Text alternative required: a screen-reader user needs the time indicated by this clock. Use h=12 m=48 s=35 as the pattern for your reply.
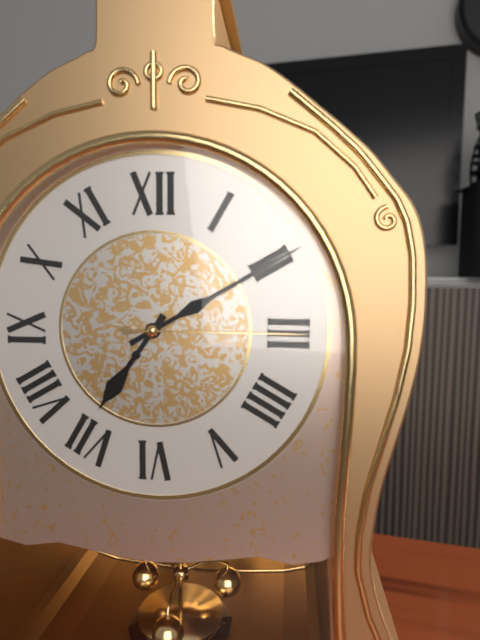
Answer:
h=7 m=10 s=15
